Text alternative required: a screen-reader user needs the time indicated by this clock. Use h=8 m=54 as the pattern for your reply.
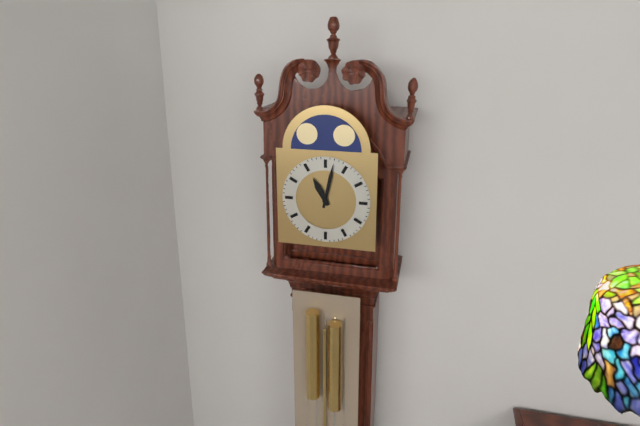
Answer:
h=11 m=2
